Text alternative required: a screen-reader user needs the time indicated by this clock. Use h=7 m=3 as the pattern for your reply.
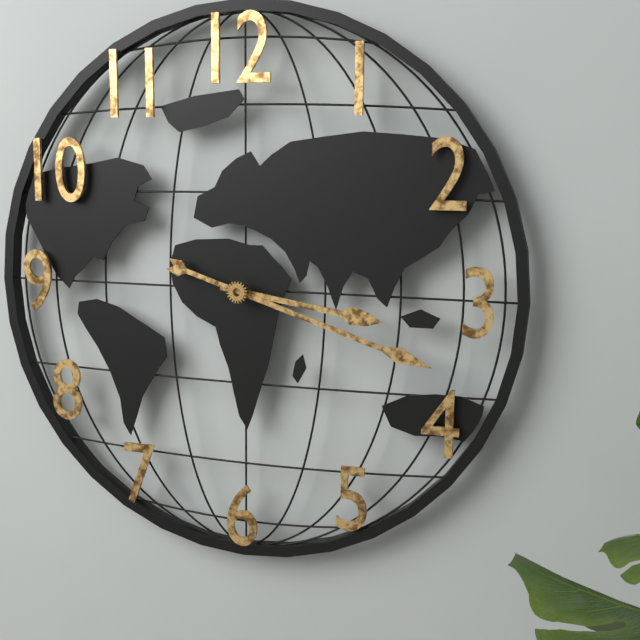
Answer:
h=3 m=18
